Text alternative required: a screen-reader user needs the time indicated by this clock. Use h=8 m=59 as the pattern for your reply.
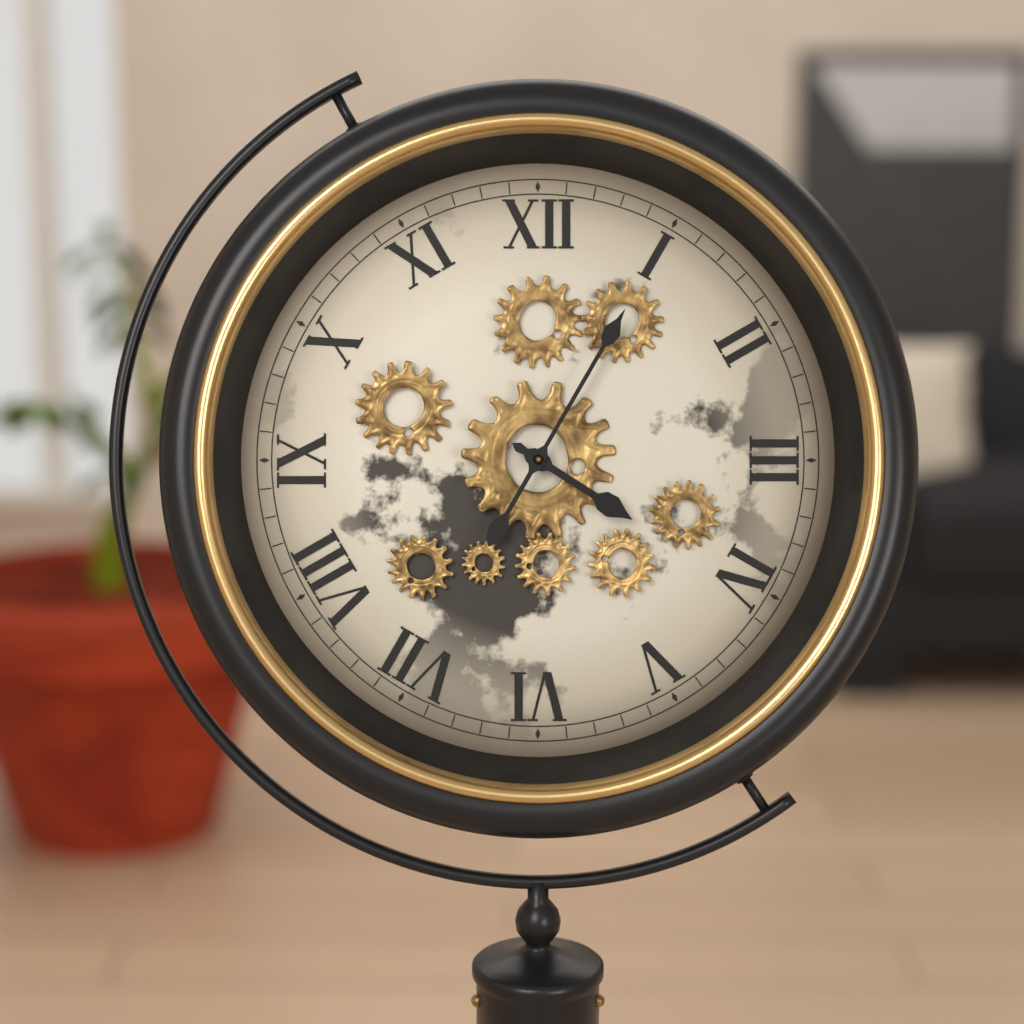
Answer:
h=4 m=5
